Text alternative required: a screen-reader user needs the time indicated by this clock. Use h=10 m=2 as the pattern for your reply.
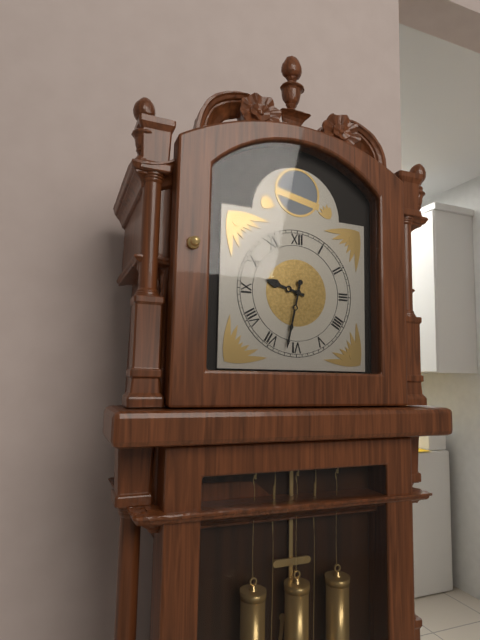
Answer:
h=9 m=32
